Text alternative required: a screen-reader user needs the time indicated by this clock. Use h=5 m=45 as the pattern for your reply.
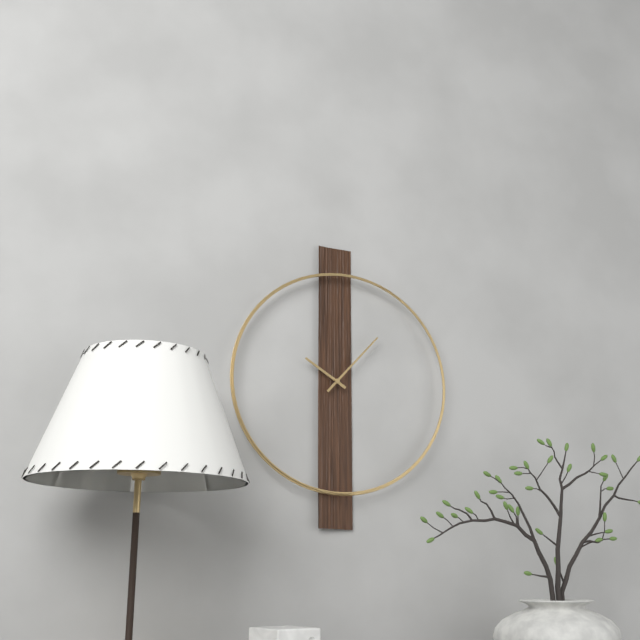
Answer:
h=10 m=7
